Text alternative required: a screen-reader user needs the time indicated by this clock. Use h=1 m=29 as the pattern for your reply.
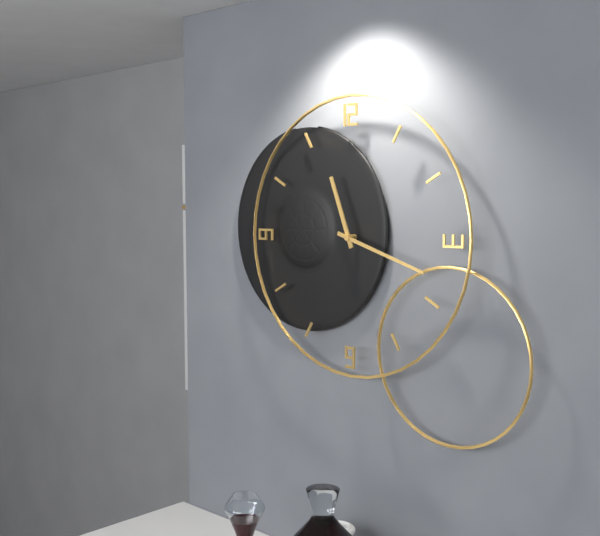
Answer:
h=11 m=18
